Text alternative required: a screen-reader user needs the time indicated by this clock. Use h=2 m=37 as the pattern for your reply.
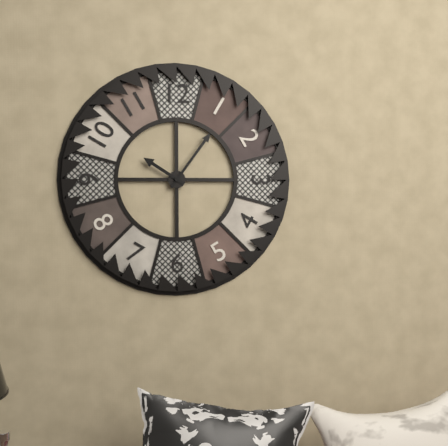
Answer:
h=10 m=6
